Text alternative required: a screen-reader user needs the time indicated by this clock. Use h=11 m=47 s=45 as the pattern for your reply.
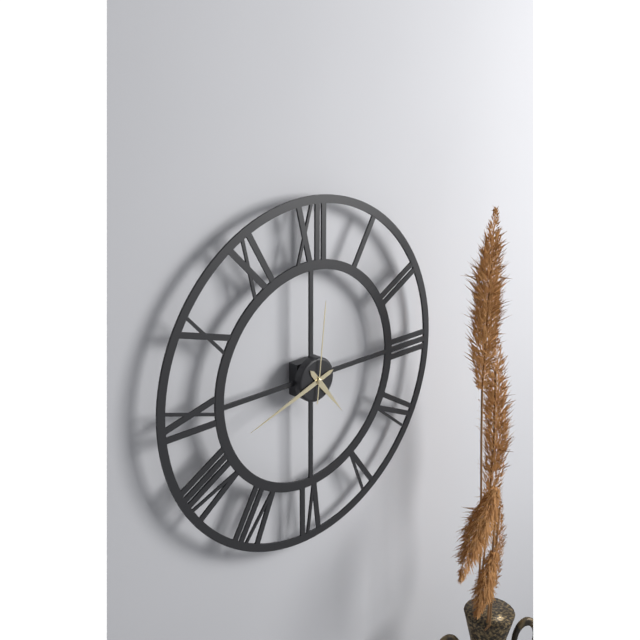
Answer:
h=4 m=42 s=1
